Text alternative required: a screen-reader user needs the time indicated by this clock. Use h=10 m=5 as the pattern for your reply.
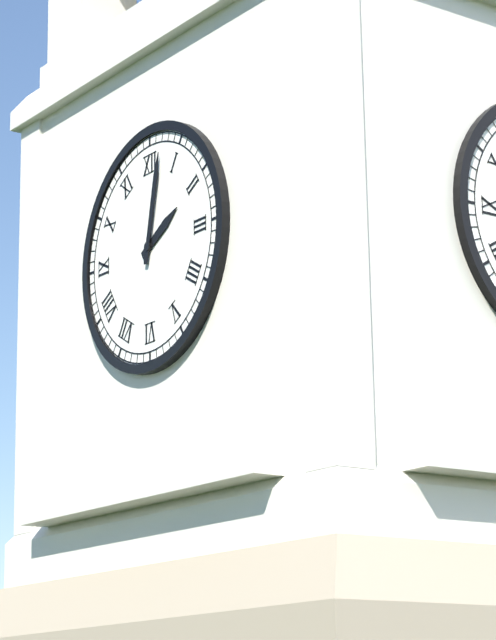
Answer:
h=2 m=2
